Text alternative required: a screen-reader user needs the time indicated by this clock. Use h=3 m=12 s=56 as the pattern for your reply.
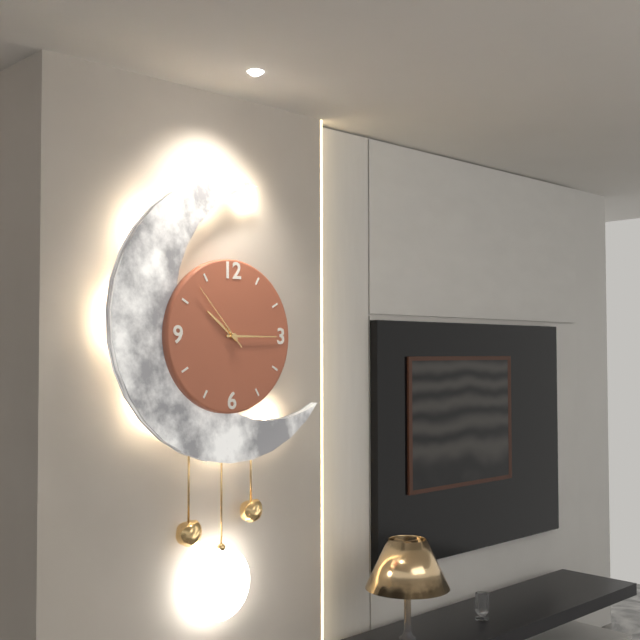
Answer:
h=10 m=15 s=53
